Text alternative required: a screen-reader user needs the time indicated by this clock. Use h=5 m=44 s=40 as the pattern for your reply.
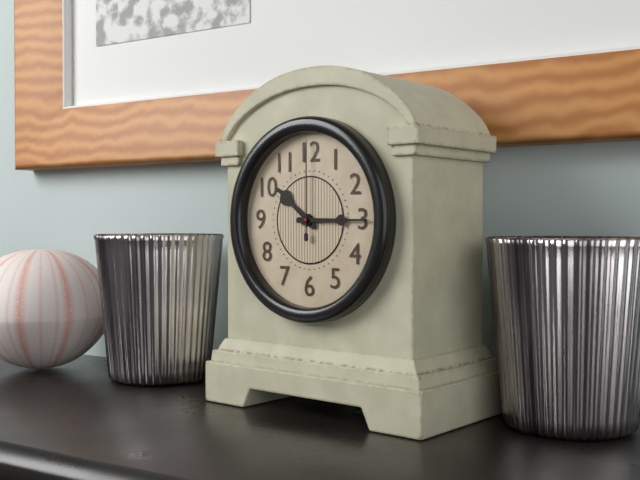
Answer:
h=10 m=15 s=0
